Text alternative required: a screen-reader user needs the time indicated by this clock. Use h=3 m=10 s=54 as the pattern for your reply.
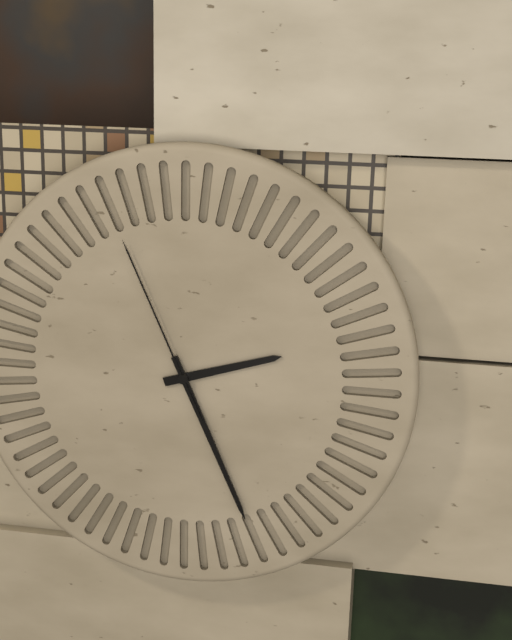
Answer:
h=2 m=26 s=56
